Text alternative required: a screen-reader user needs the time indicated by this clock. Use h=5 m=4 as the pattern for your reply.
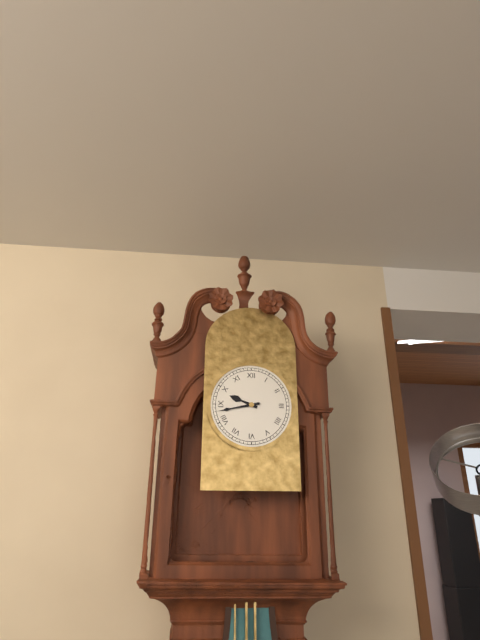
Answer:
h=9 m=43
